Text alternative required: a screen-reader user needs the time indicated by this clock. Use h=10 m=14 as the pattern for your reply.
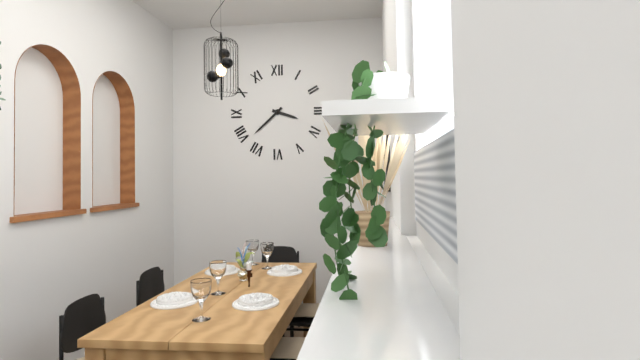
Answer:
h=3 m=38
